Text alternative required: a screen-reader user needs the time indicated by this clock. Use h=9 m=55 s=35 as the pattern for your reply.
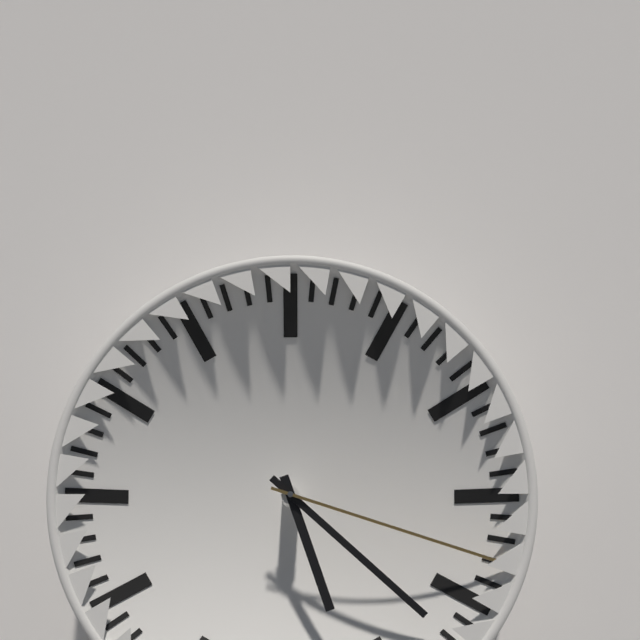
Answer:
h=5 m=22 s=18
